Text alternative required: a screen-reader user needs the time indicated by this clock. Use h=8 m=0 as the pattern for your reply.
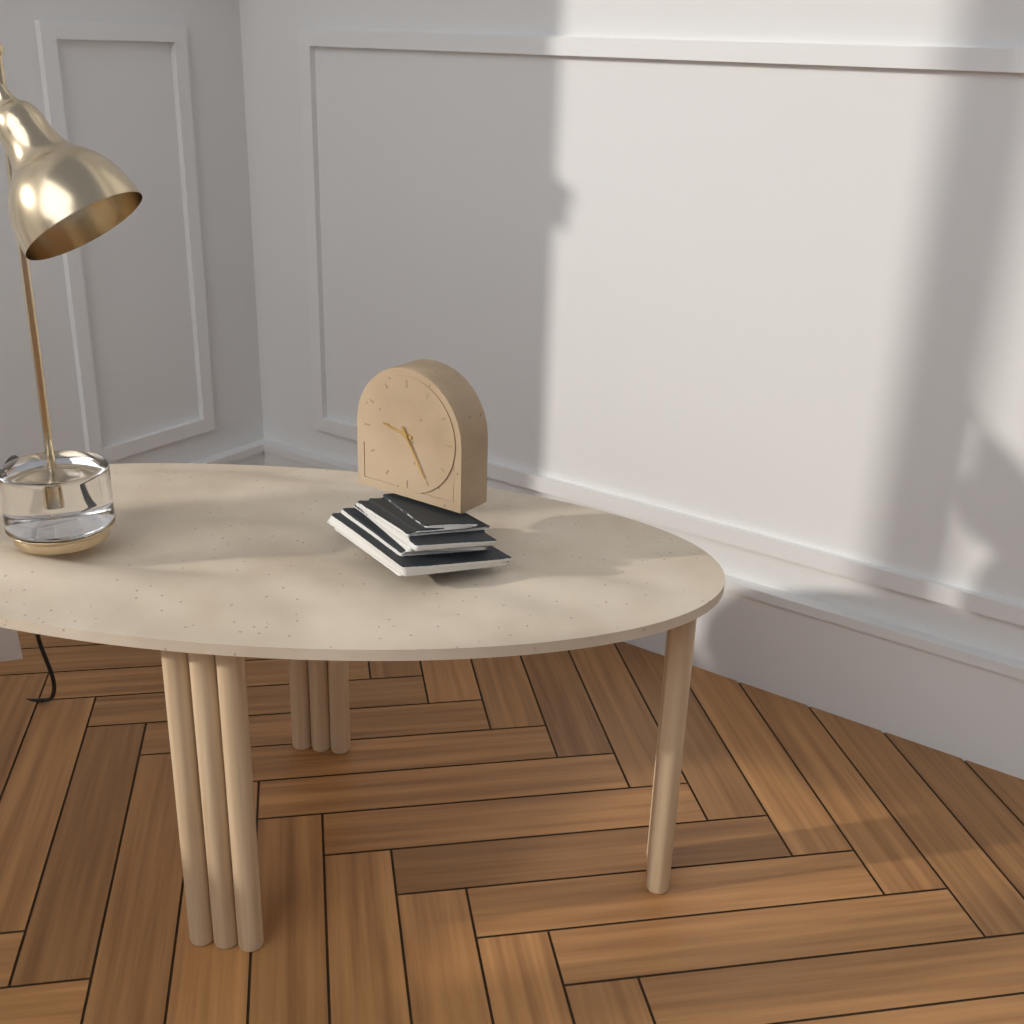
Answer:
h=9 m=25
